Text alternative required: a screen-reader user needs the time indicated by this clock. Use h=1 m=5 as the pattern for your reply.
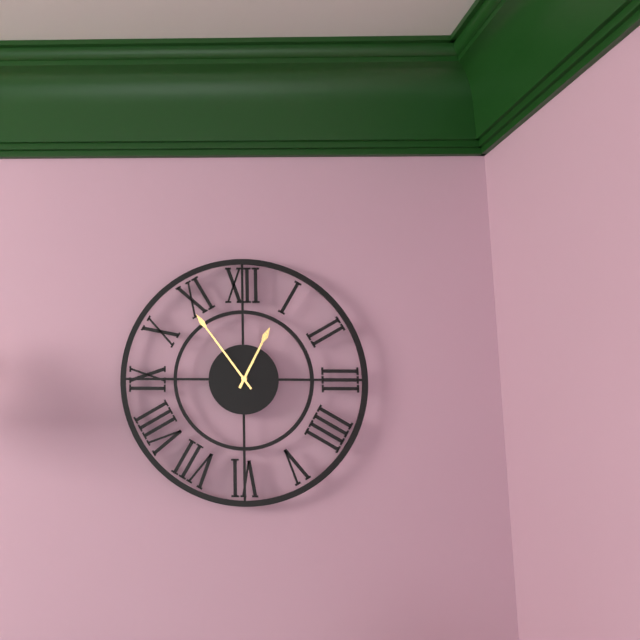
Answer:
h=12 m=54
